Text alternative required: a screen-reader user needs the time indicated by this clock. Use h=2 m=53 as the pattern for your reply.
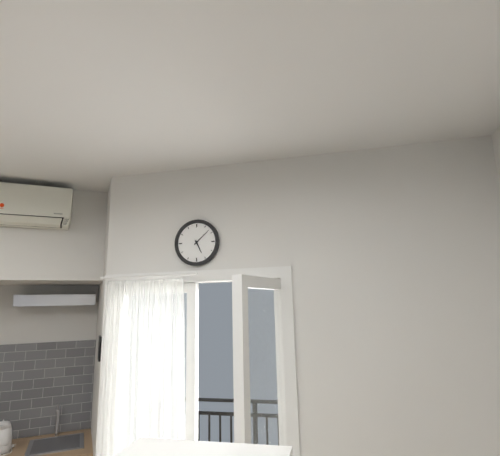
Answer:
h=5 m=8
